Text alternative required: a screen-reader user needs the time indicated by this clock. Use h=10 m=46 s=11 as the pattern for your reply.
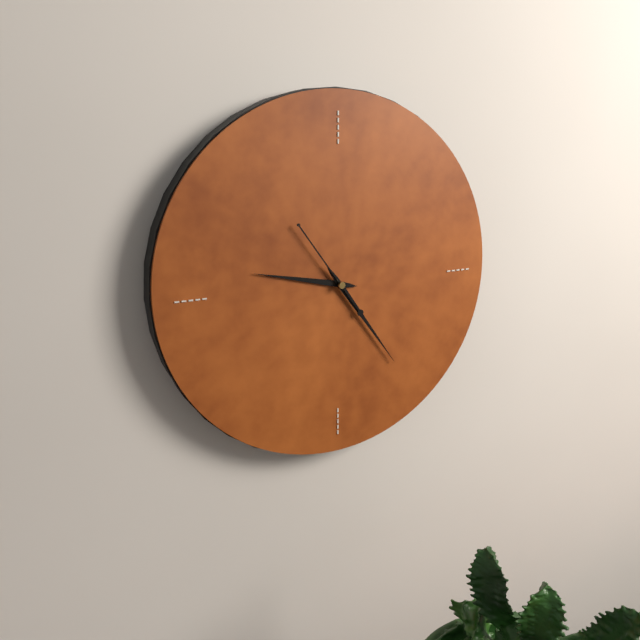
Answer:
h=9 m=24 s=54
